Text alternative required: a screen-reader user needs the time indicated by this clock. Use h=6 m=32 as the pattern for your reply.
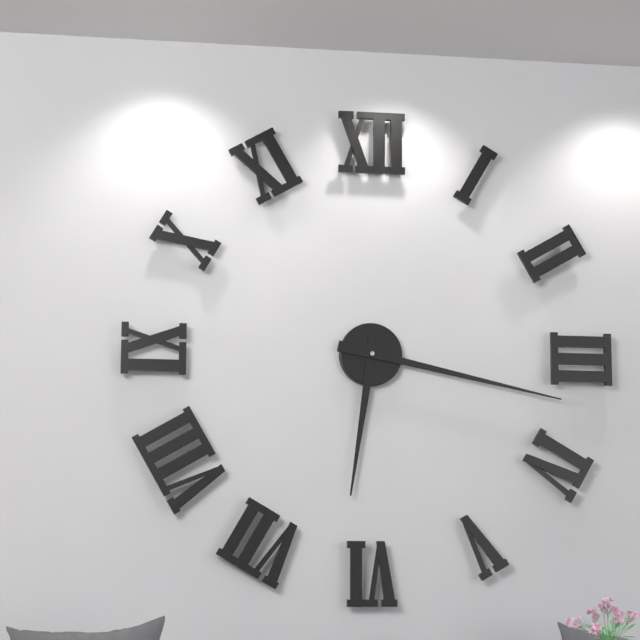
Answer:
h=6 m=17
